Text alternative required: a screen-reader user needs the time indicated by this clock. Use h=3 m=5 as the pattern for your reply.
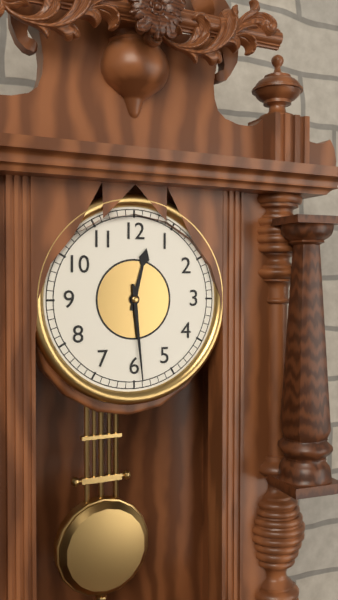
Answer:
h=12 m=29
